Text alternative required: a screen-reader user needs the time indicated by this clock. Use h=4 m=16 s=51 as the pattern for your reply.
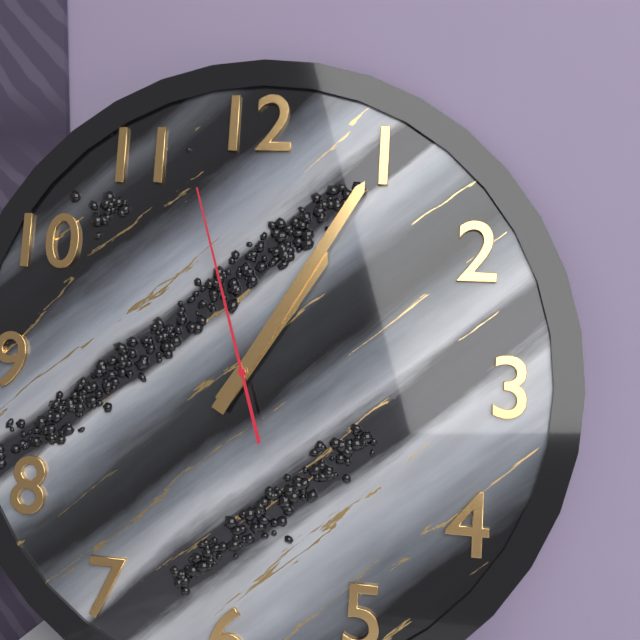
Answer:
h=1 m=5 s=57
